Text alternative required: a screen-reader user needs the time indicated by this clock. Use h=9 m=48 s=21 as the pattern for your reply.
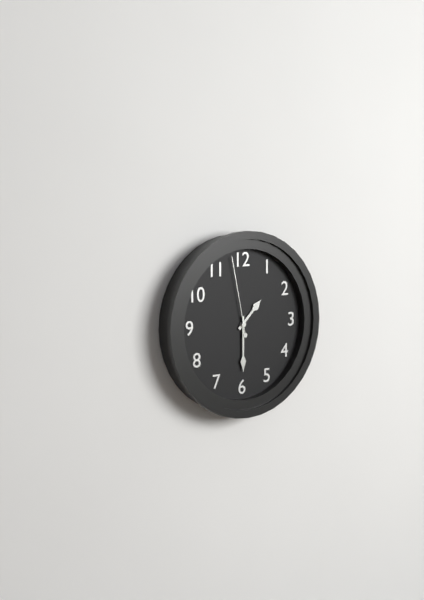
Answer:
h=1 m=30 s=58
